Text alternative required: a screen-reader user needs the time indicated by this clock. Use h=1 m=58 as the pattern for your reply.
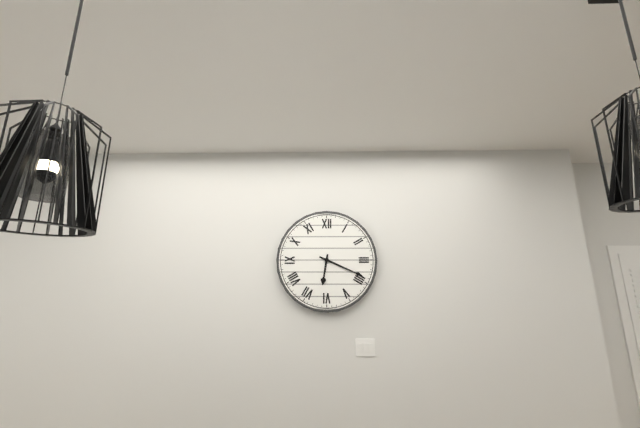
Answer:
h=6 m=19
